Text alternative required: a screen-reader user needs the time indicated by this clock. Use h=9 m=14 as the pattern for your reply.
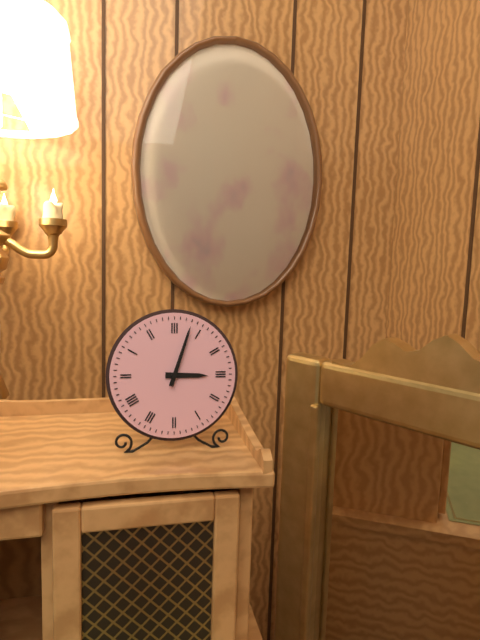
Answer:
h=3 m=3
